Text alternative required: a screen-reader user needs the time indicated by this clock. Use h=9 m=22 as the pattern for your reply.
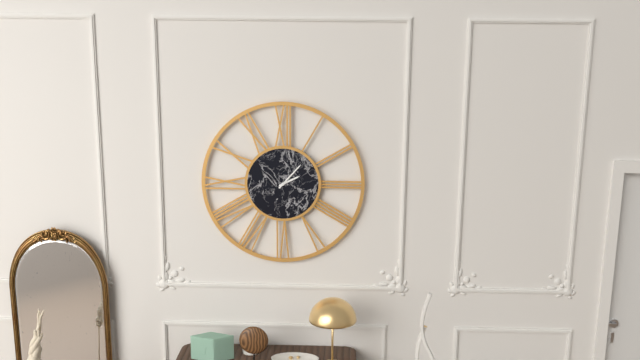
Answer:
h=2 m=7
